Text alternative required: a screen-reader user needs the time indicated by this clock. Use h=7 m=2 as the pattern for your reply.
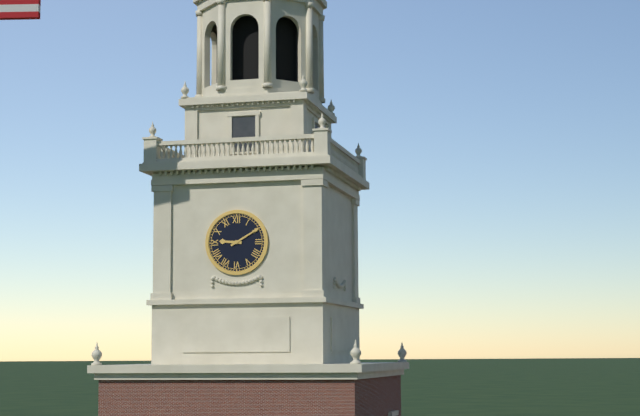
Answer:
h=9 m=10
